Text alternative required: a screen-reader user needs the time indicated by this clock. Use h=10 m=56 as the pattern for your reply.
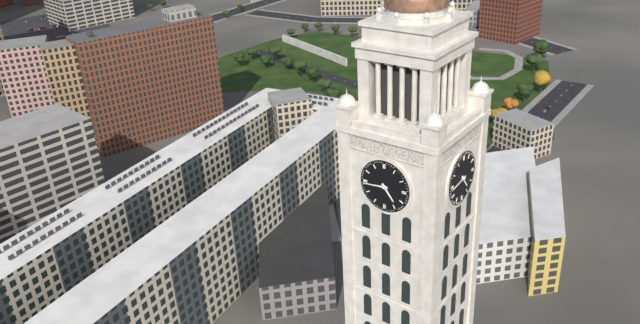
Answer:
h=4 m=44
